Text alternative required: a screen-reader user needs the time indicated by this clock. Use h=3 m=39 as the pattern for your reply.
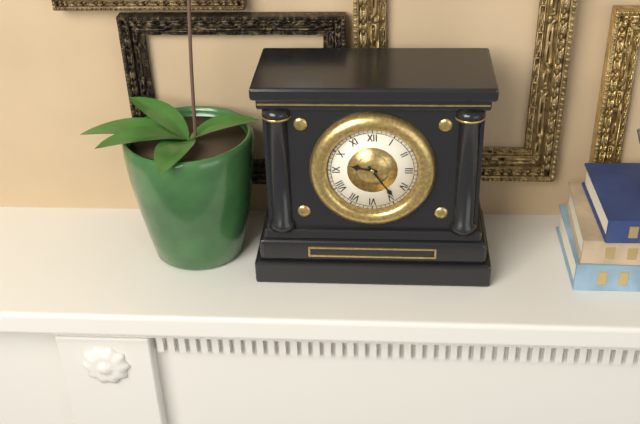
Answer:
h=9 m=24
